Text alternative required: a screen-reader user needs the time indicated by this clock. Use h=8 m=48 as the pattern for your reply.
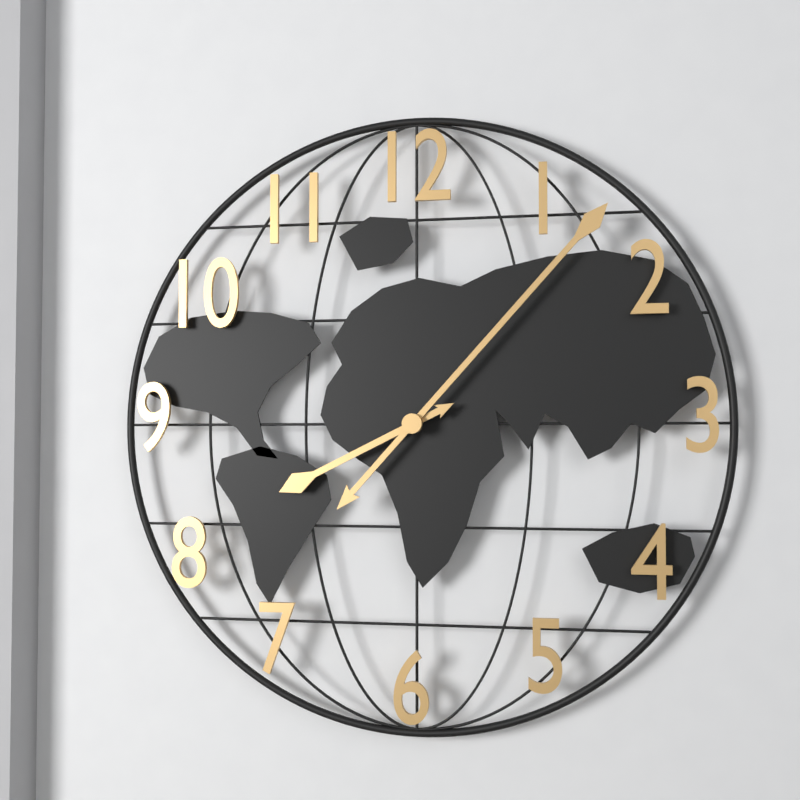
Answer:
h=8 m=7
